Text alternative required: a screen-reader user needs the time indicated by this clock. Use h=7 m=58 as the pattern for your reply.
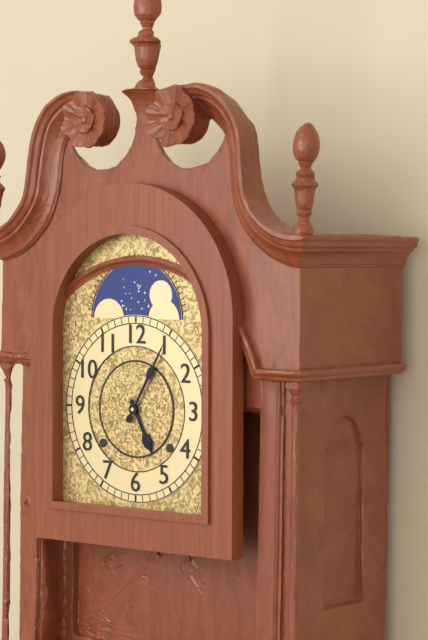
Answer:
h=5 m=5
